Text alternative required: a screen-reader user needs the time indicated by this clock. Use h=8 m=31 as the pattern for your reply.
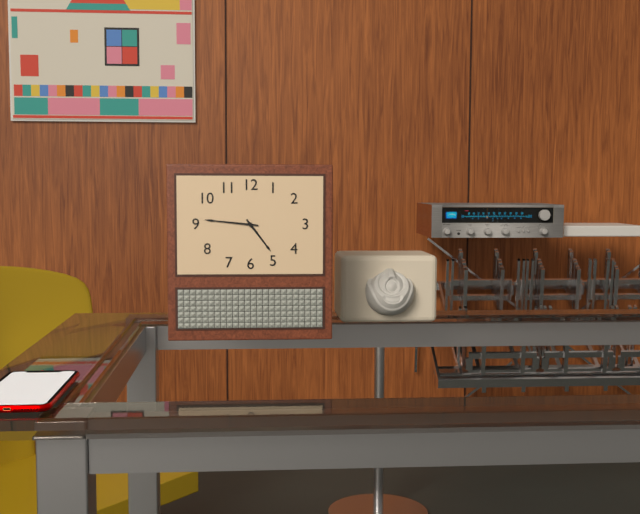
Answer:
h=4 m=46
